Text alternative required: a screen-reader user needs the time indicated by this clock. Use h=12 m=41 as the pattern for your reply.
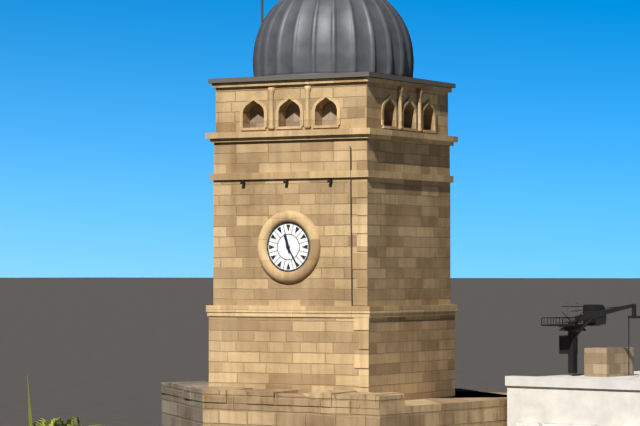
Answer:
h=11 m=25
